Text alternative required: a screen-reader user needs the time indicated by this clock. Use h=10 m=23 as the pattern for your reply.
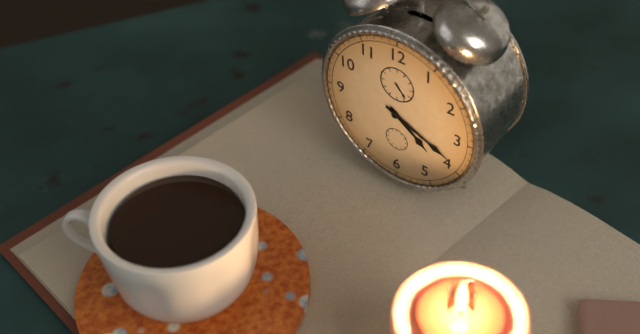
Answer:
h=4 m=19
